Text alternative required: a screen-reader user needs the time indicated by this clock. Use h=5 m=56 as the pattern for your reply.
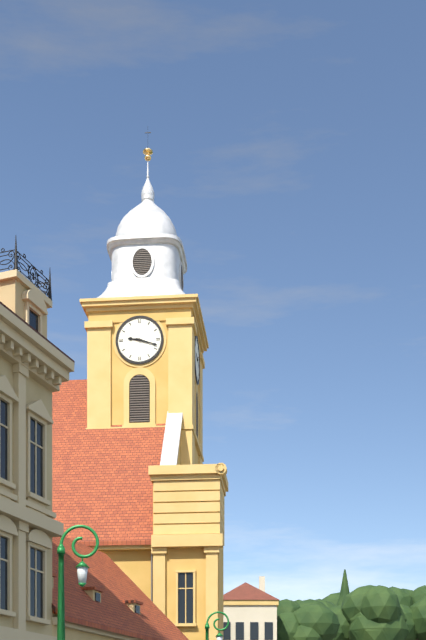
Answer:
h=9 m=18
